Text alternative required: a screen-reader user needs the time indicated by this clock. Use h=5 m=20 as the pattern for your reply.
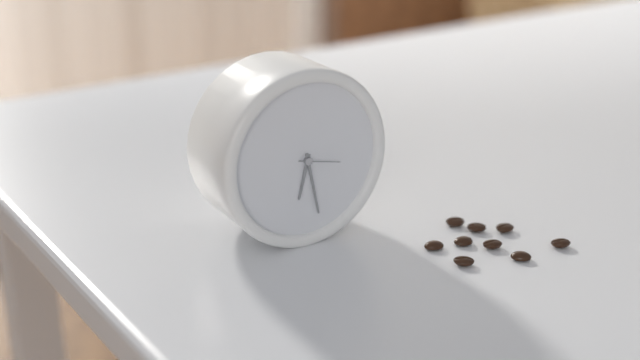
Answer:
h=6 m=28
